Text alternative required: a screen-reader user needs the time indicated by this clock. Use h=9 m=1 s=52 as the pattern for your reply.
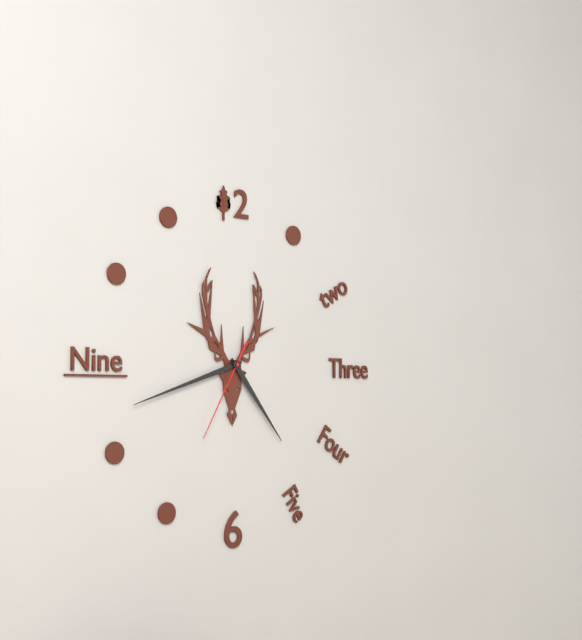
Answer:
h=4 m=42 s=35
